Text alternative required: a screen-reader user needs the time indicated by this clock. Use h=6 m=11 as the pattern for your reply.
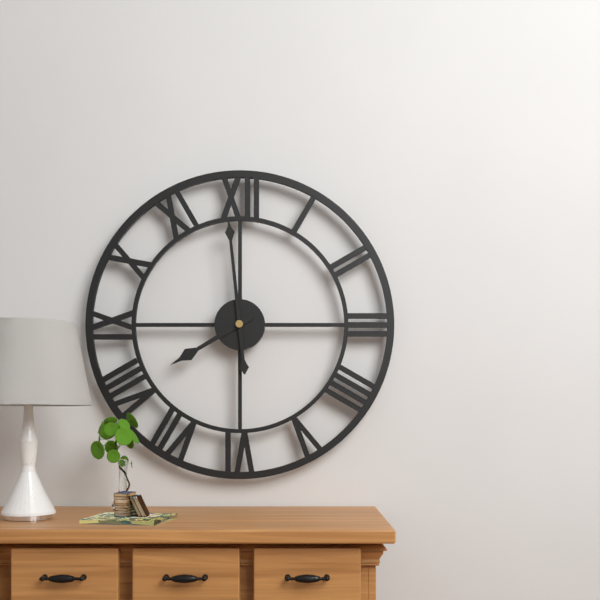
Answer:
h=7 m=59
